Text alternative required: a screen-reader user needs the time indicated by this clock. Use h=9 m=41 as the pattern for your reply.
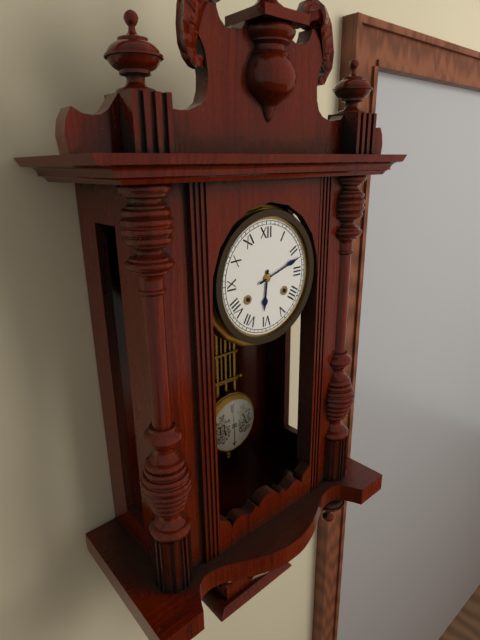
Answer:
h=6 m=12
